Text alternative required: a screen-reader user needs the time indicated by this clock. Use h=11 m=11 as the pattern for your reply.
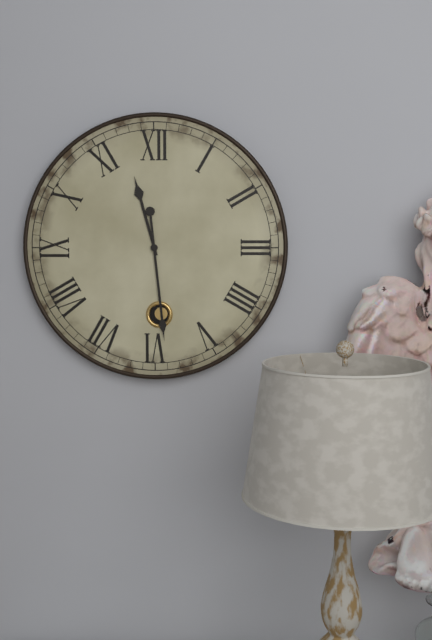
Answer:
h=11 m=29
